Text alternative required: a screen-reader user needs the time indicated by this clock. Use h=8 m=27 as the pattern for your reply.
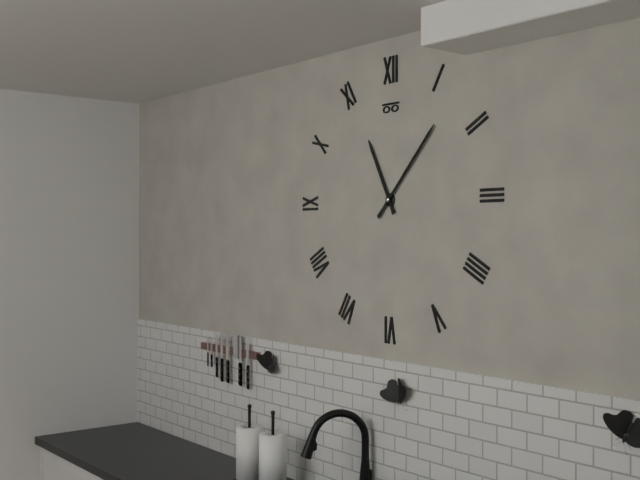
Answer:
h=11 m=7
